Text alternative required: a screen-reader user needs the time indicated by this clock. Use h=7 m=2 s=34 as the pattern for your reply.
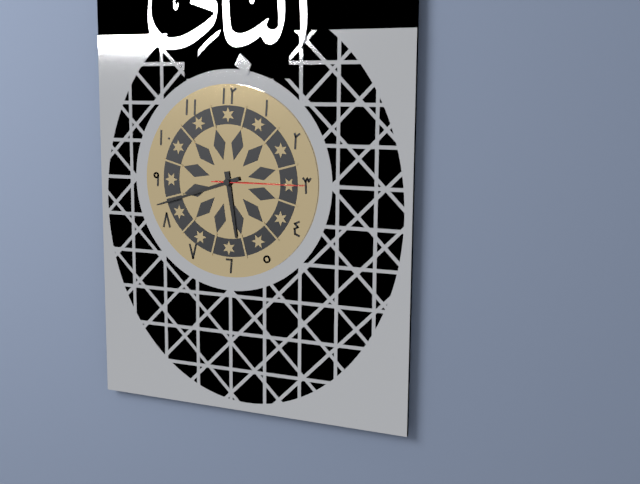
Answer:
h=5 m=42 s=15
